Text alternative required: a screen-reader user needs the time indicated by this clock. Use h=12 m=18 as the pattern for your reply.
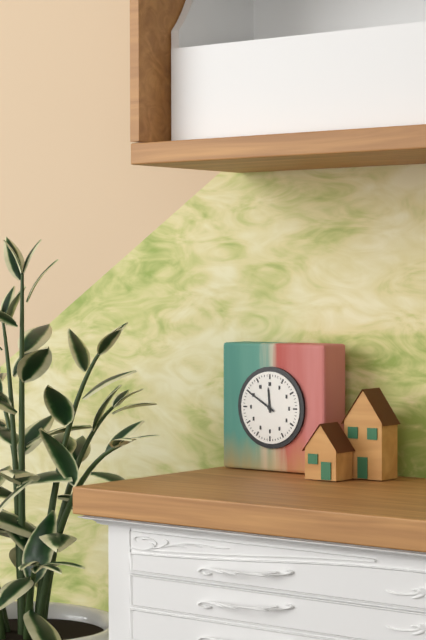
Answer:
h=11 m=50
